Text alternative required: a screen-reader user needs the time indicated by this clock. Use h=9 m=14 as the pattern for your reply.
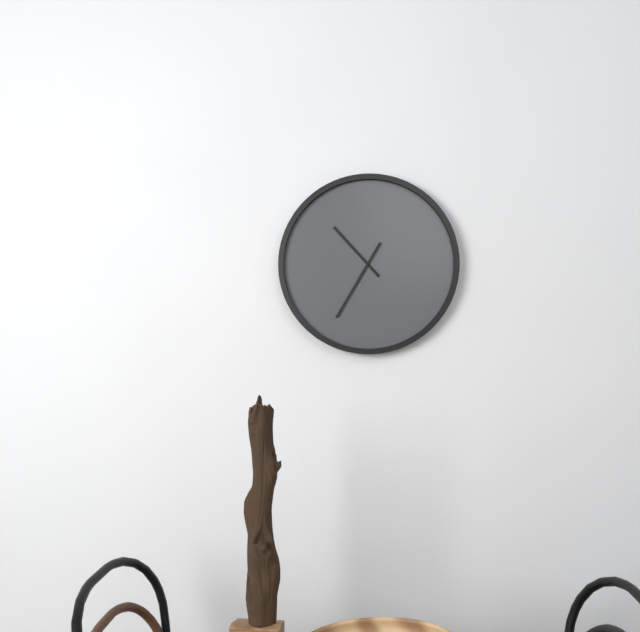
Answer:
h=10 m=35
